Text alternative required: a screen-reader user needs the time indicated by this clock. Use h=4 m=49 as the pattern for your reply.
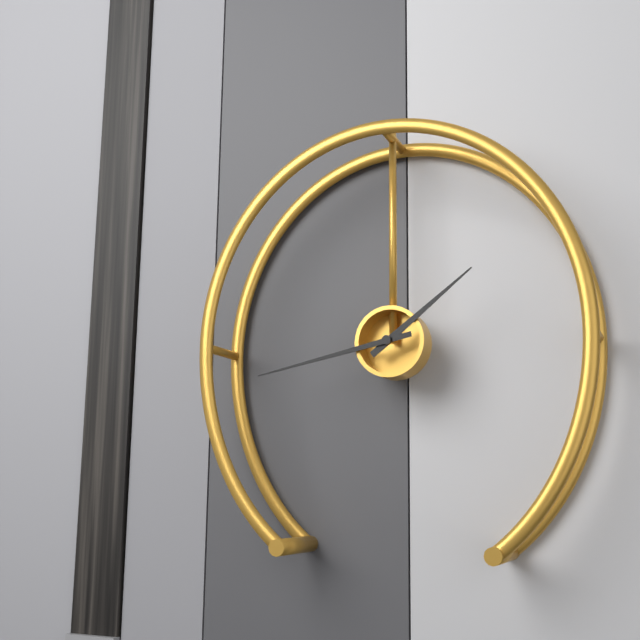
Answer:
h=1 m=43
